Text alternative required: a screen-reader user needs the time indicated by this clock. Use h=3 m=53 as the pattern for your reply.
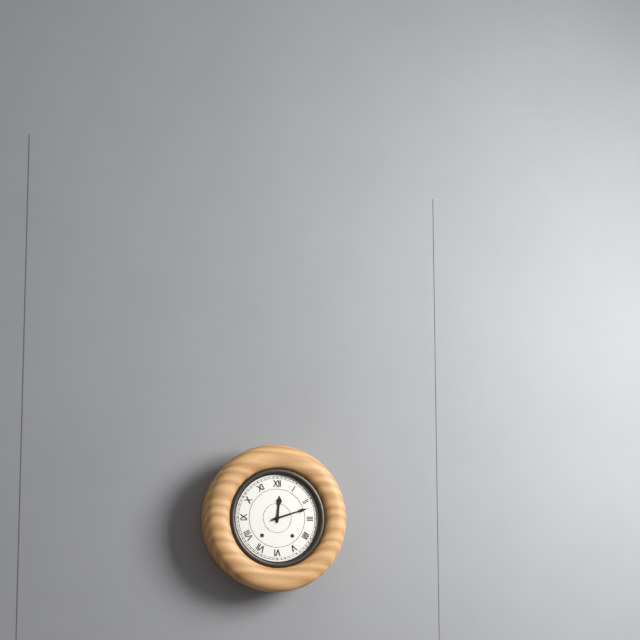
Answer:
h=12 m=12
